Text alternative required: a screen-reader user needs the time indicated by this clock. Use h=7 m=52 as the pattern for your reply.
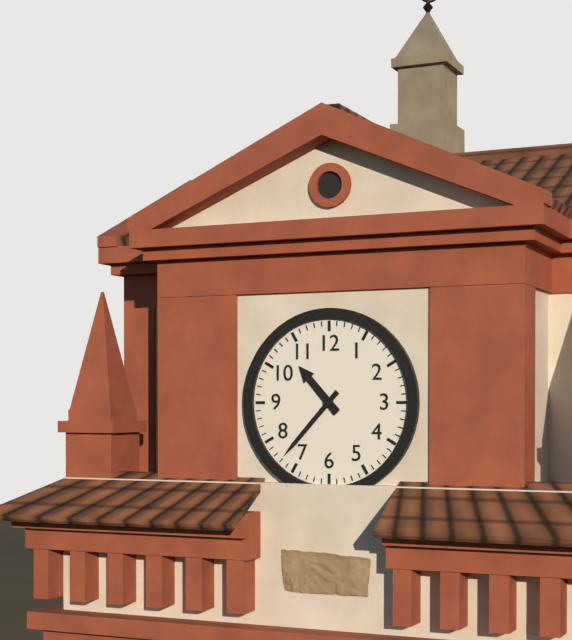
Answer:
h=10 m=37
